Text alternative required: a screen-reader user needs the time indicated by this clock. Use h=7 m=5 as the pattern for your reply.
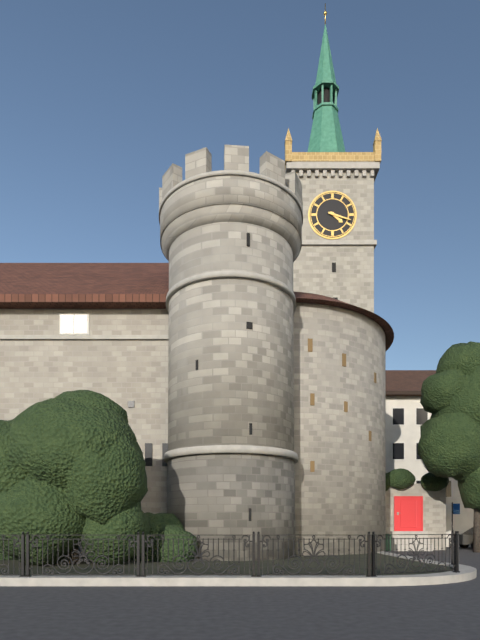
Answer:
h=4 m=18
